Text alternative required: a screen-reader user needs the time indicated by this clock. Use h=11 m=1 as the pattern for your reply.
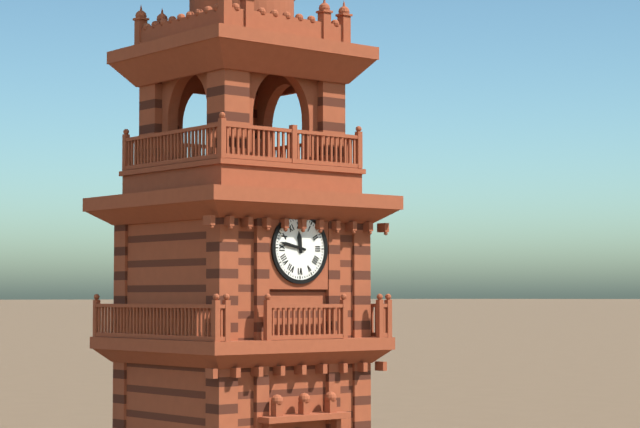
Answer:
h=11 m=47
